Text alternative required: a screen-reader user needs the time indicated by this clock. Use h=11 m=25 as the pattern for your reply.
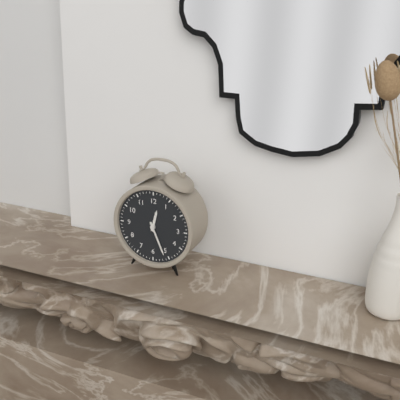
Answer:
h=12 m=26
